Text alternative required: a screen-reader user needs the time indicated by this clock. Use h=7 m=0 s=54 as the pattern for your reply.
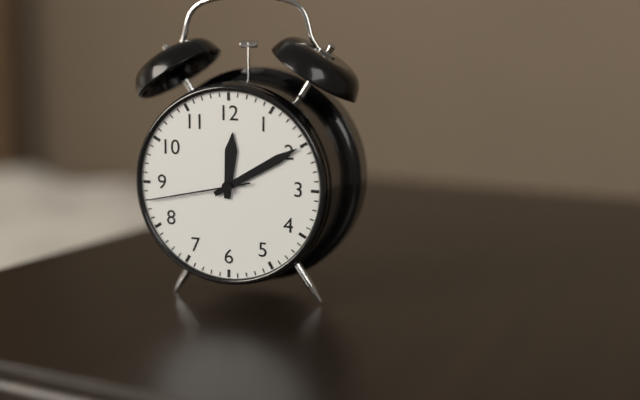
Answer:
h=12 m=10 s=43
